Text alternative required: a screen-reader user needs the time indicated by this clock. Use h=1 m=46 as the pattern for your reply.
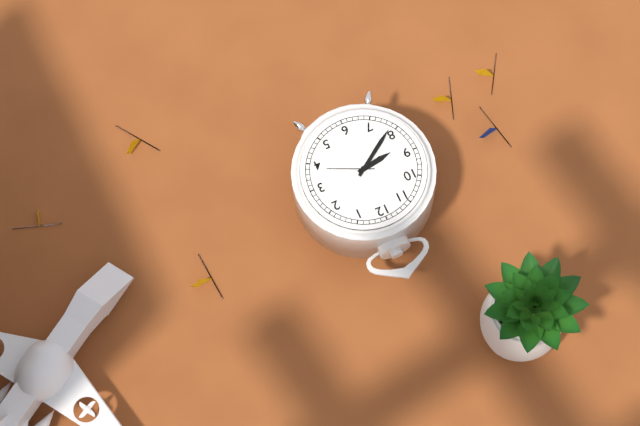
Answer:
h=8 m=39
